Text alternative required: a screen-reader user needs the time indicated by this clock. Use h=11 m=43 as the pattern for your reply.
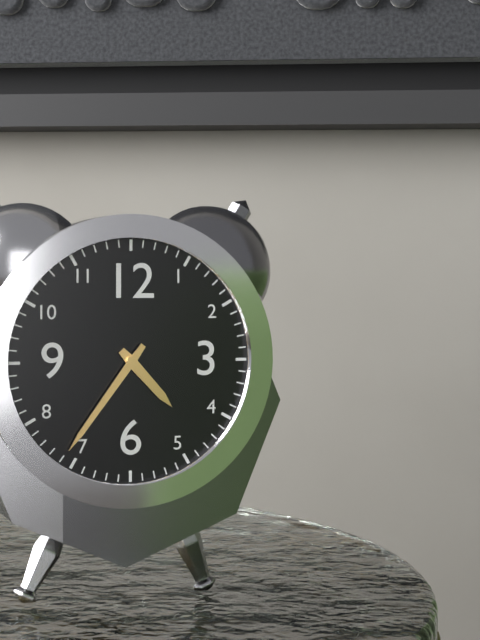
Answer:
h=4 m=36
